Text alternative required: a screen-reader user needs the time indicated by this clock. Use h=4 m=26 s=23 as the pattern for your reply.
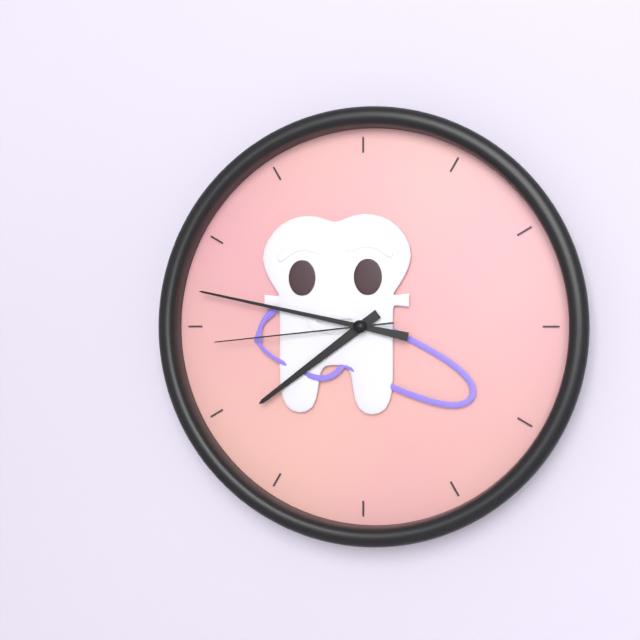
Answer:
h=7 m=47 s=44
